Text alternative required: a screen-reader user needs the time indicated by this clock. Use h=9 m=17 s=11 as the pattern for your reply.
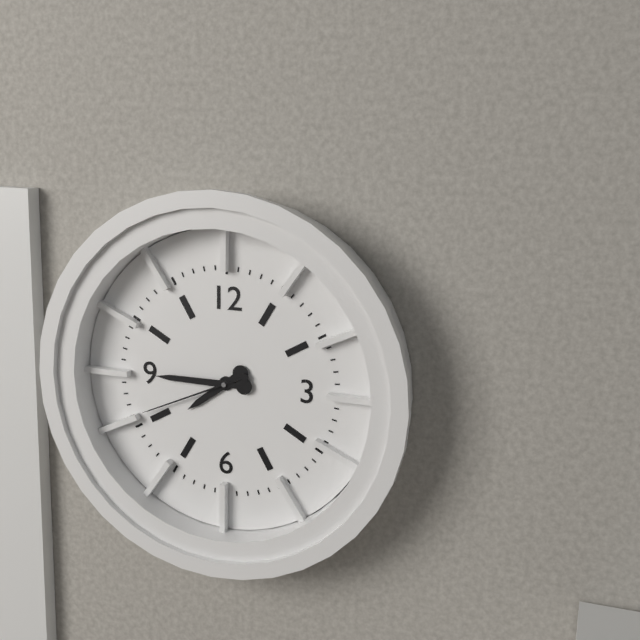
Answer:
h=7 m=45 s=41
